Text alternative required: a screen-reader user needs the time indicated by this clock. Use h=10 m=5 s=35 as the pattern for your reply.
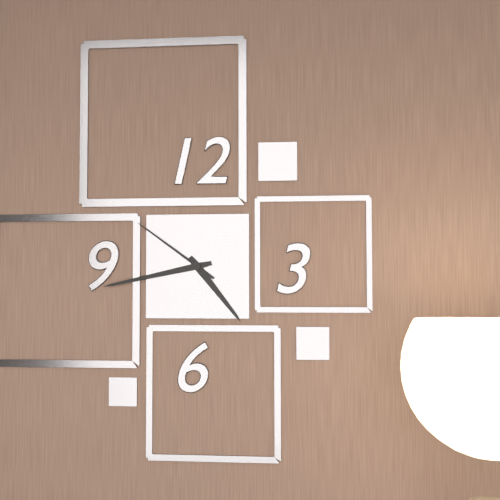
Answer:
h=4 m=43 s=51
